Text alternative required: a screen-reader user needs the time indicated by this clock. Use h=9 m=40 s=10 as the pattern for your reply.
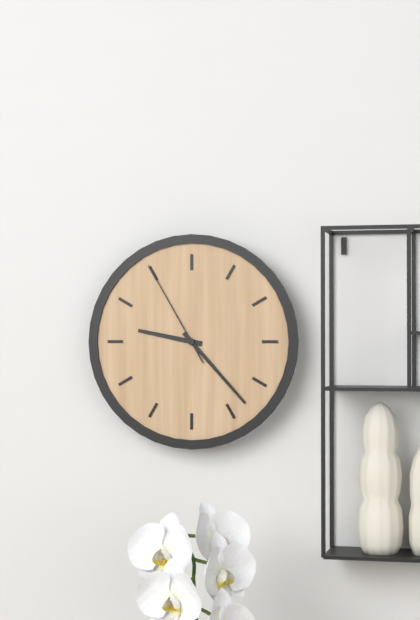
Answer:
h=9 m=23 s=55
